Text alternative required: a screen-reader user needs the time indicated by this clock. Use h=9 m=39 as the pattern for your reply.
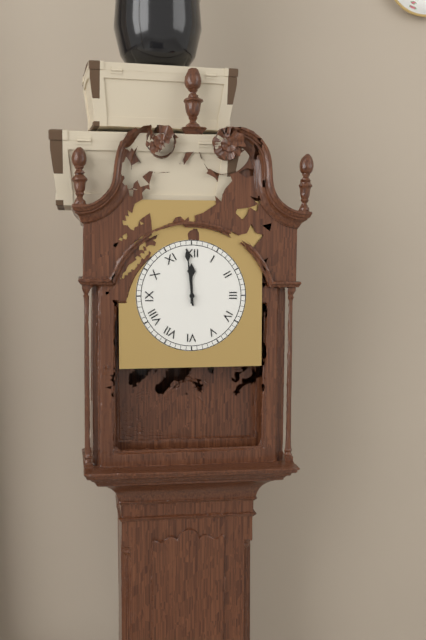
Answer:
h=11 m=59
